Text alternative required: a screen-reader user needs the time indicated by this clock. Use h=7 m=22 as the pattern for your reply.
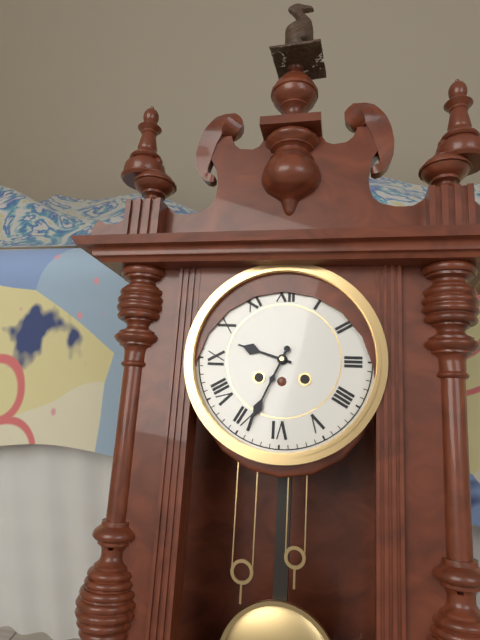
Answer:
h=9 m=34
